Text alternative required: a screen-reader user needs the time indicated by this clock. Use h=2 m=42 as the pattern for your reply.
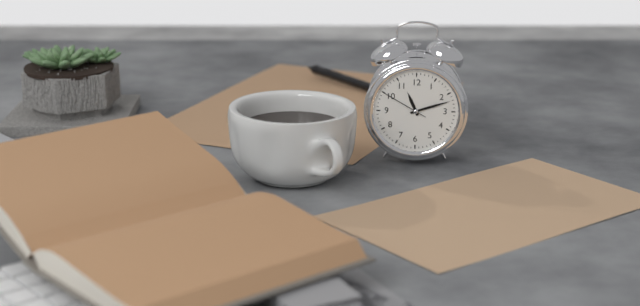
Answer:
h=11 m=12
